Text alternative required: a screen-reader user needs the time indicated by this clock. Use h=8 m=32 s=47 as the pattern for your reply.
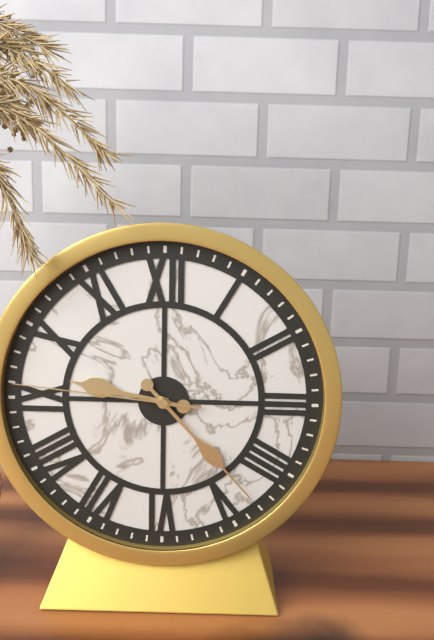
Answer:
h=9 m=23 s=46
